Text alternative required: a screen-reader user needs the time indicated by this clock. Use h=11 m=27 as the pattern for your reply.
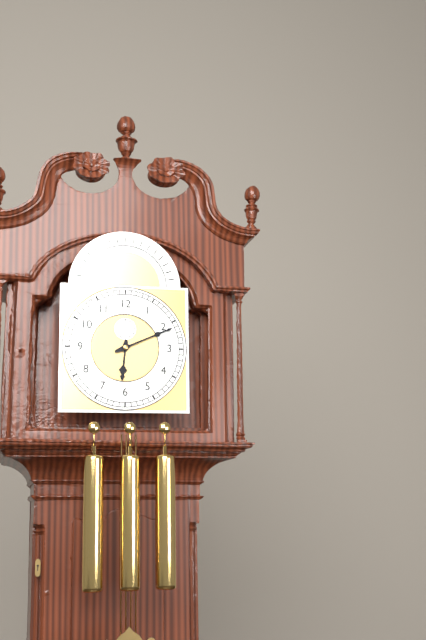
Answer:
h=6 m=11
